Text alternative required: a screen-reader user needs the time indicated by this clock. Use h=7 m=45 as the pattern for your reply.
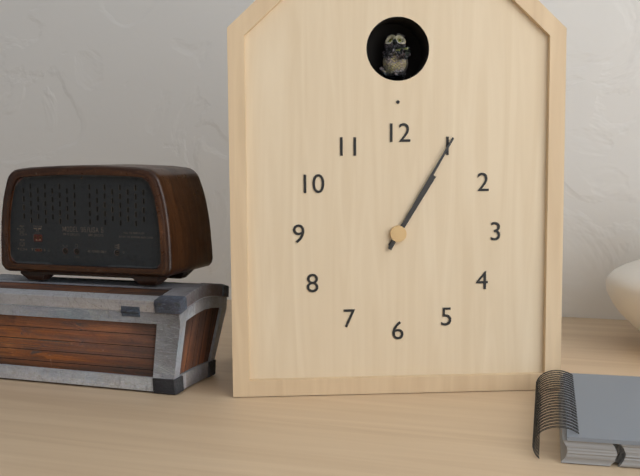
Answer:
h=1 m=5
